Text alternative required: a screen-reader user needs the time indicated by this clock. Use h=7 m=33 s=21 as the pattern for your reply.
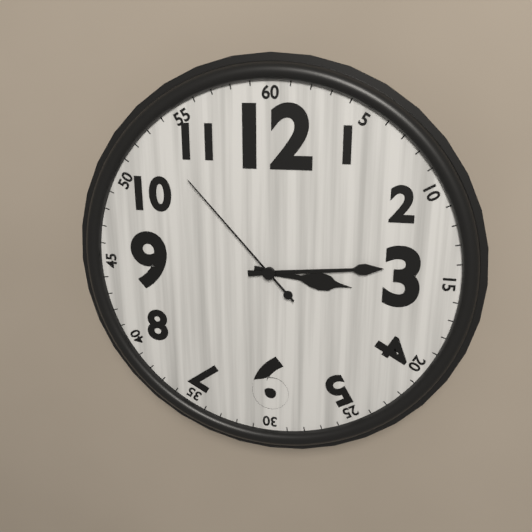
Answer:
h=3 m=14 s=53
